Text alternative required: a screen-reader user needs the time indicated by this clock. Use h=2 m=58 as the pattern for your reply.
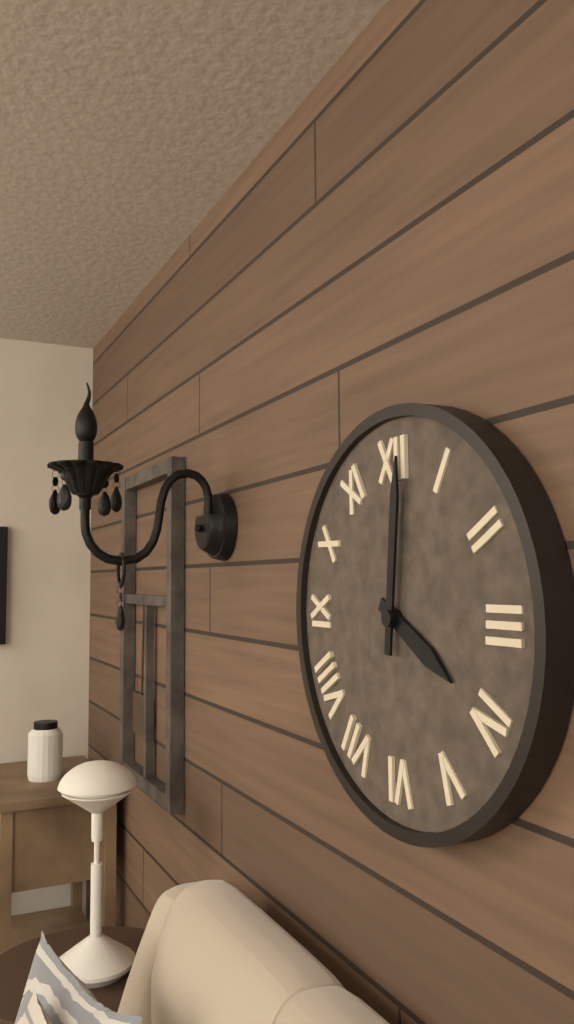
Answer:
h=4 m=1
